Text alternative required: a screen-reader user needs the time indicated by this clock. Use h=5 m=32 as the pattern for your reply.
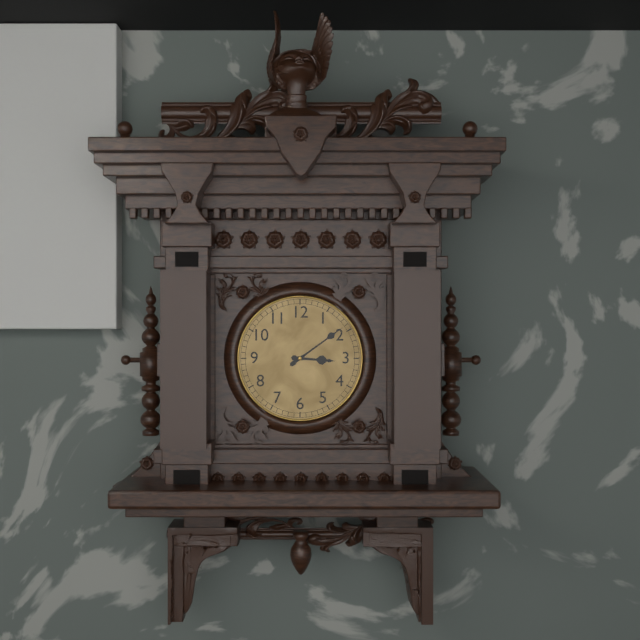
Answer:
h=3 m=9
